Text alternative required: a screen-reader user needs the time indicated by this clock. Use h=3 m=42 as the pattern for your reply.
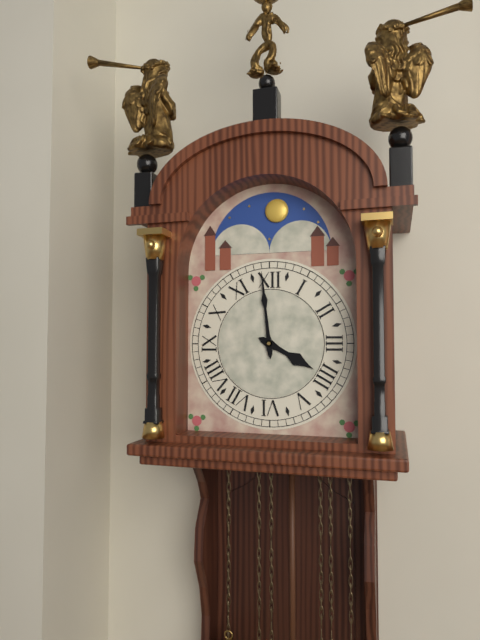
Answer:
h=3 m=59
